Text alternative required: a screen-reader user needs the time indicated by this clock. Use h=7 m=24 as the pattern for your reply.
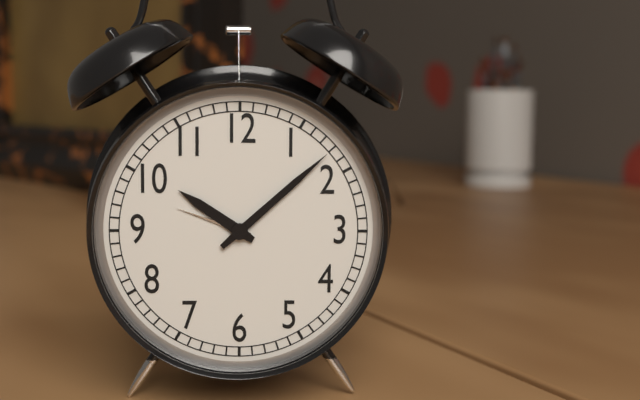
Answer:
h=10 m=8
